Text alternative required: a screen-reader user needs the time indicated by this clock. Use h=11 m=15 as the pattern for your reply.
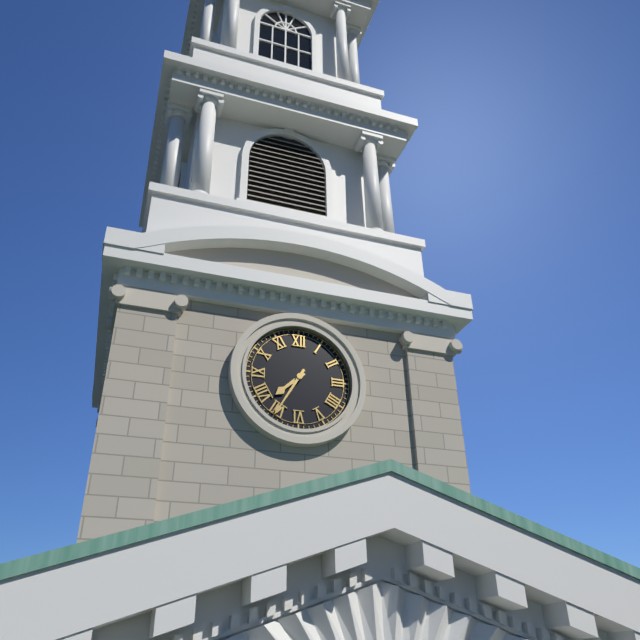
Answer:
h=7 m=35
